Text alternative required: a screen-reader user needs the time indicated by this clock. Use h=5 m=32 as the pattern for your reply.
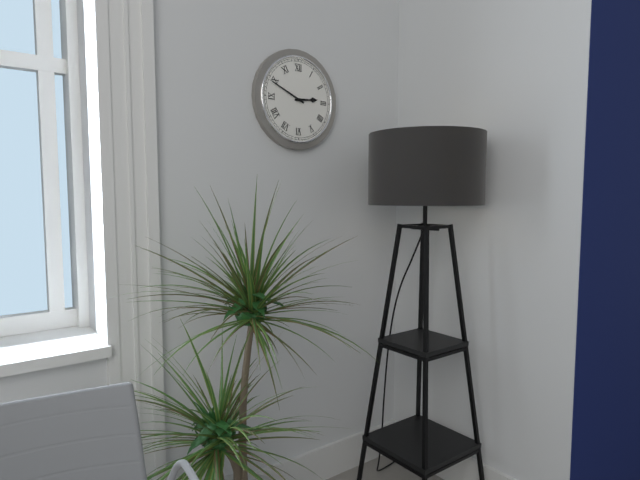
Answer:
h=2 m=49
